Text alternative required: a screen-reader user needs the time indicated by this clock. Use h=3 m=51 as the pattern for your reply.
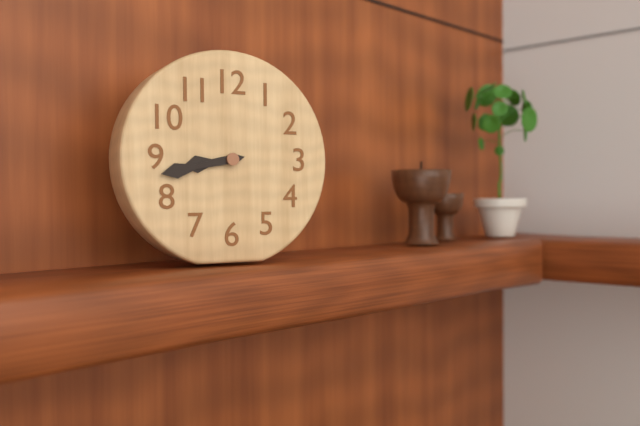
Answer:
h=8 m=43
